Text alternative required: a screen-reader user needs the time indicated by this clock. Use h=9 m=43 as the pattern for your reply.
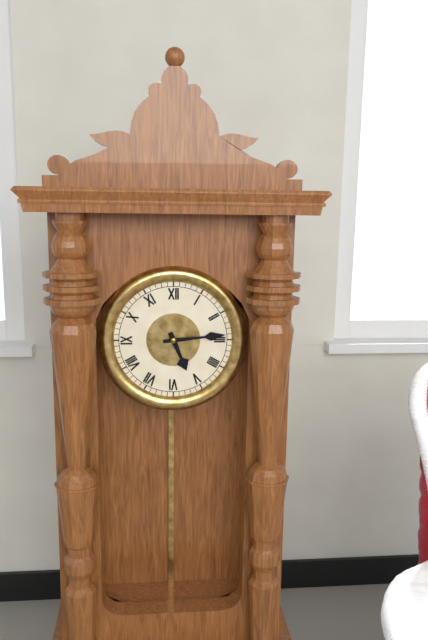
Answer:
h=5 m=14
